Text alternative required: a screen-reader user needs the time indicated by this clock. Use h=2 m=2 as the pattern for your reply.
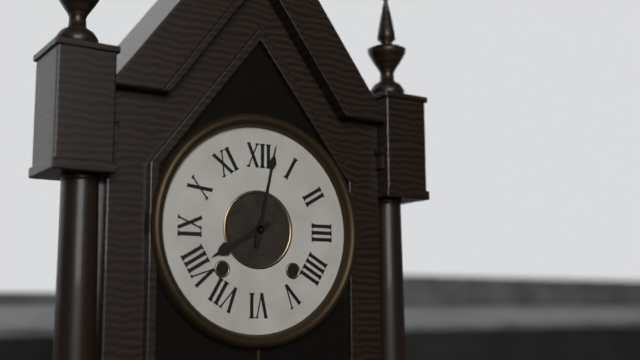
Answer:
h=8 m=2
